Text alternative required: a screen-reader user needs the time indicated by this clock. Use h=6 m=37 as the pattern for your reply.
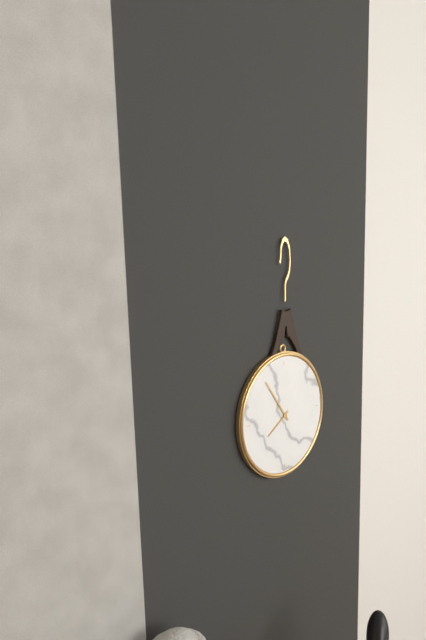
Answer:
h=7 m=54
